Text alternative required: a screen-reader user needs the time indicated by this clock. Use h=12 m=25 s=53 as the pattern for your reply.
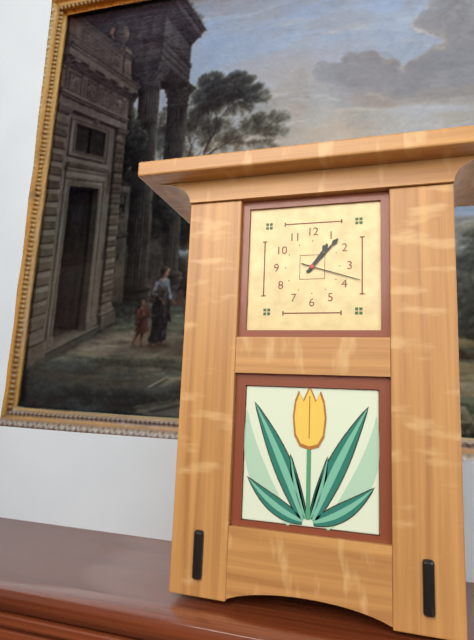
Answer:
h=1 m=7 s=18
